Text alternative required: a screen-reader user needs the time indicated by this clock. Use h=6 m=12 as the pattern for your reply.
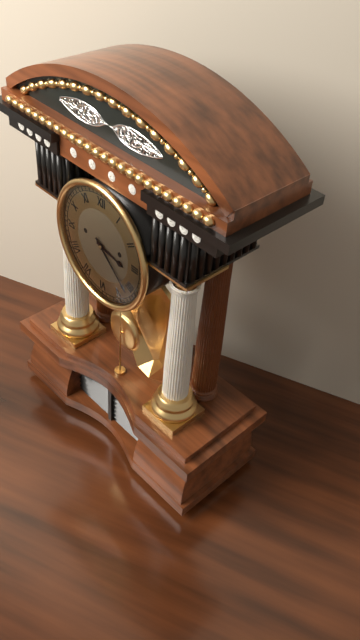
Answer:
h=3 m=22
